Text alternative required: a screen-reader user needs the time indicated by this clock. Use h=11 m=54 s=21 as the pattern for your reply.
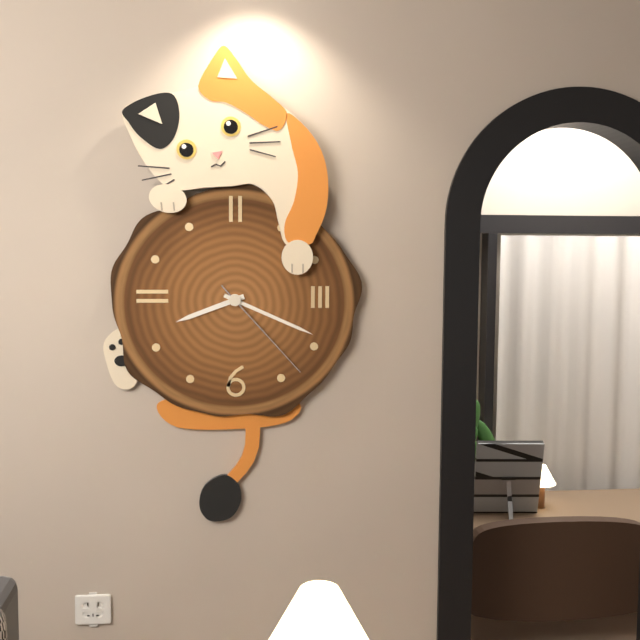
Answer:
h=8 m=19 s=23
